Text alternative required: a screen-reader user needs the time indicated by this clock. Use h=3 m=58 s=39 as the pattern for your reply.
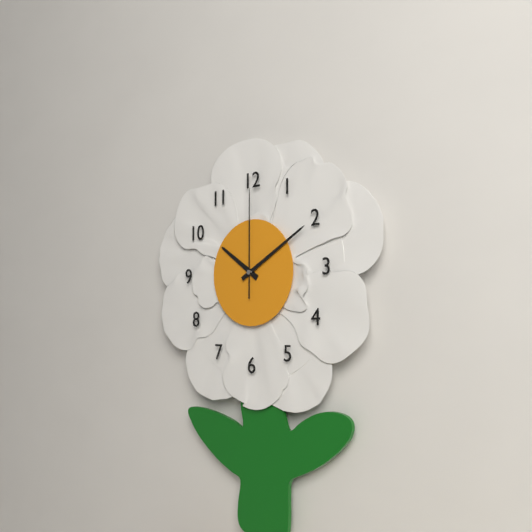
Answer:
h=10 m=10 s=0
